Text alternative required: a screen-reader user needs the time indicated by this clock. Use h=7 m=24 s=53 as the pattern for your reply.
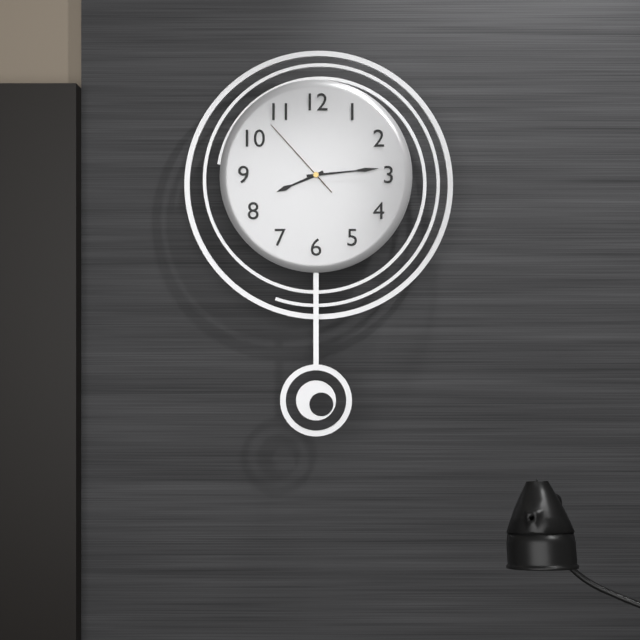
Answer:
h=8 m=14 s=53
